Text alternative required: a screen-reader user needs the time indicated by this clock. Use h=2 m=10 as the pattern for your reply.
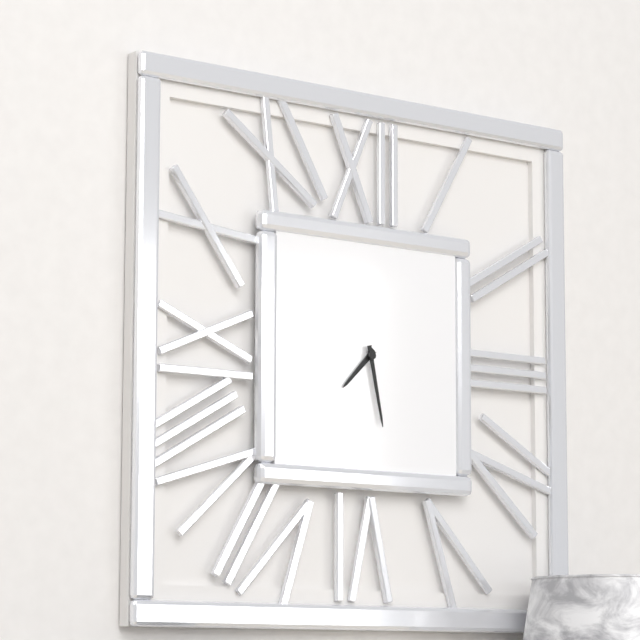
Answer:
h=7 m=28
